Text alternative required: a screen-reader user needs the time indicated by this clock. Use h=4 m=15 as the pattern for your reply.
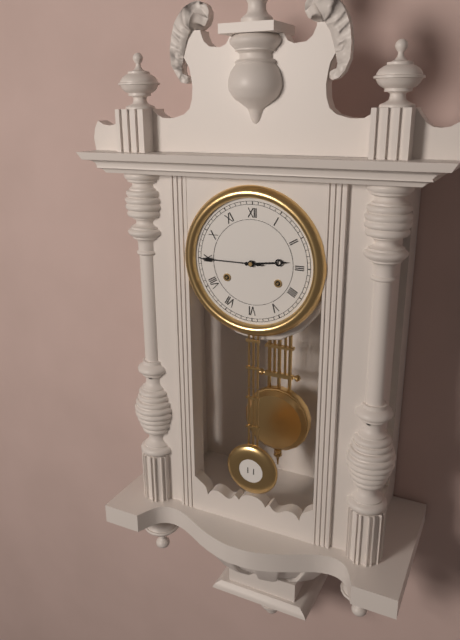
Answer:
h=2 m=45
